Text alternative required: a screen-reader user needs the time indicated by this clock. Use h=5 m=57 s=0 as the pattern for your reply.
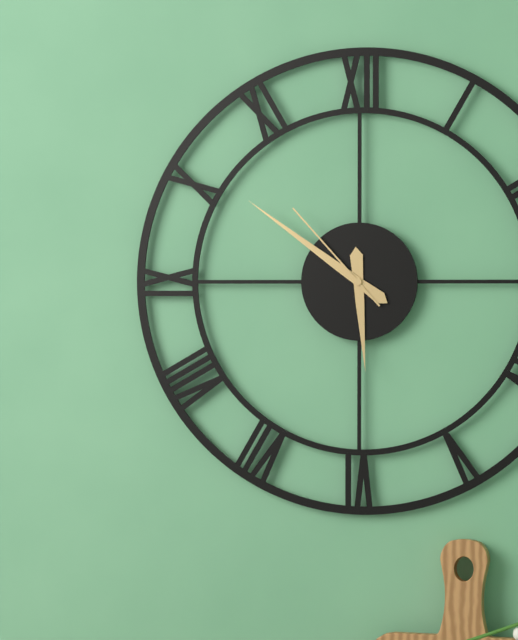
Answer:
h=5 m=51 s=53
